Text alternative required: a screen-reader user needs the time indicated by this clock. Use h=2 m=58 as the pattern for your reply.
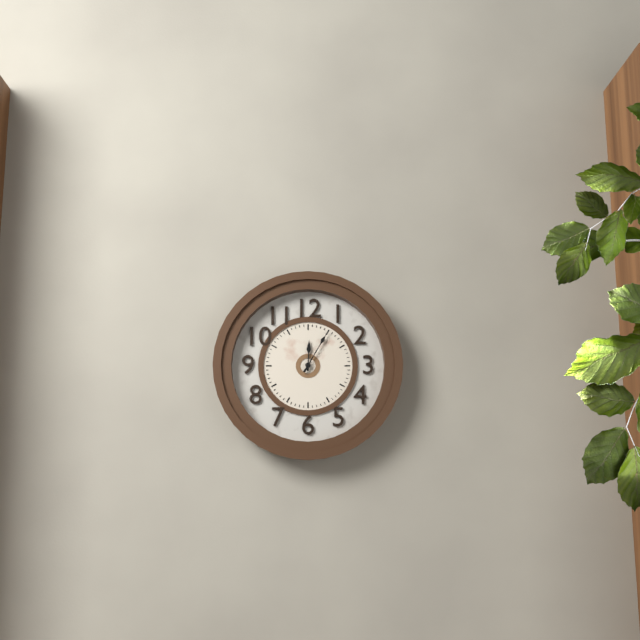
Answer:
h=12 m=5
